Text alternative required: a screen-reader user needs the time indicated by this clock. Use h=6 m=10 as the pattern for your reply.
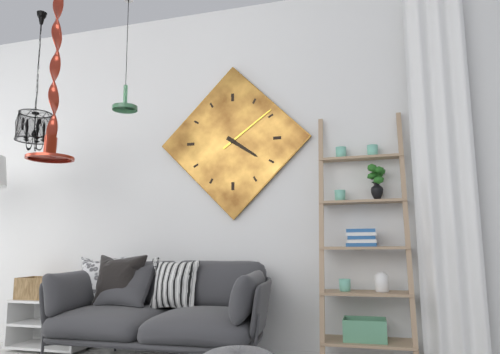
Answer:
h=4 m=9
